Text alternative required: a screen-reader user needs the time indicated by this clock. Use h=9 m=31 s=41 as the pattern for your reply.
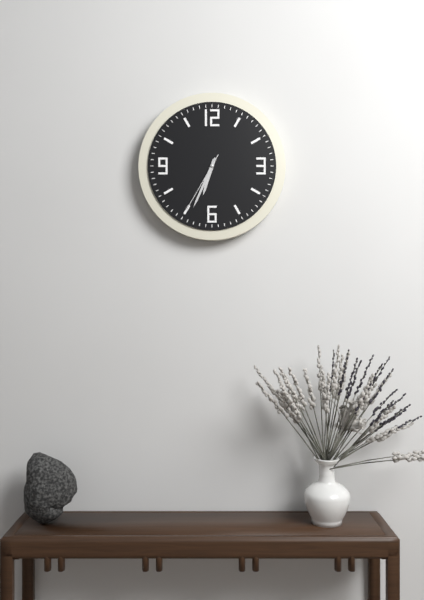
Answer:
h=6 m=34 s=35
